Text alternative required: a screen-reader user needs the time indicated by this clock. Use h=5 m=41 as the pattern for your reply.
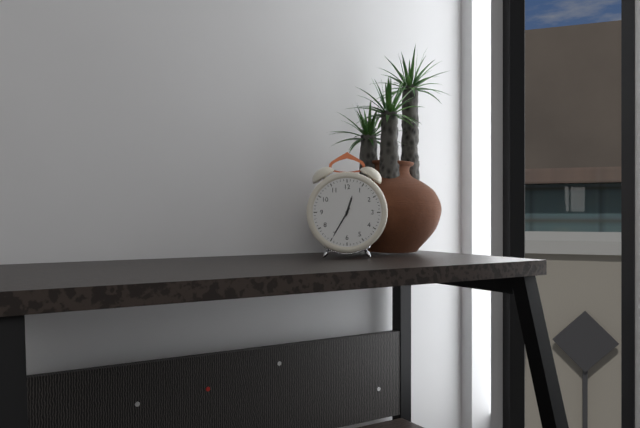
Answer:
h=12 m=35
